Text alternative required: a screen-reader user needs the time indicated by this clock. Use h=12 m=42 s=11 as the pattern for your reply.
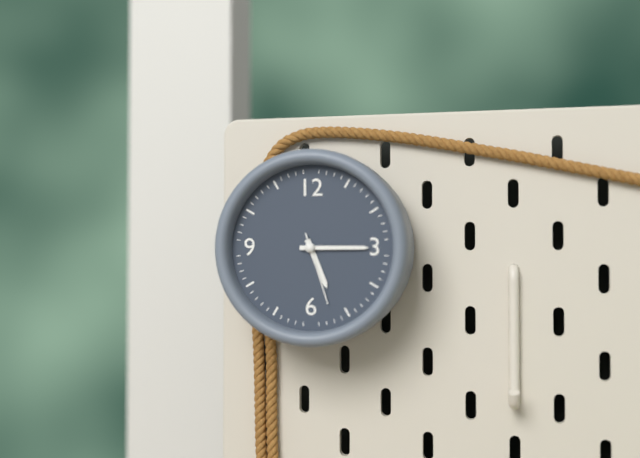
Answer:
h=5 m=15 s=27
